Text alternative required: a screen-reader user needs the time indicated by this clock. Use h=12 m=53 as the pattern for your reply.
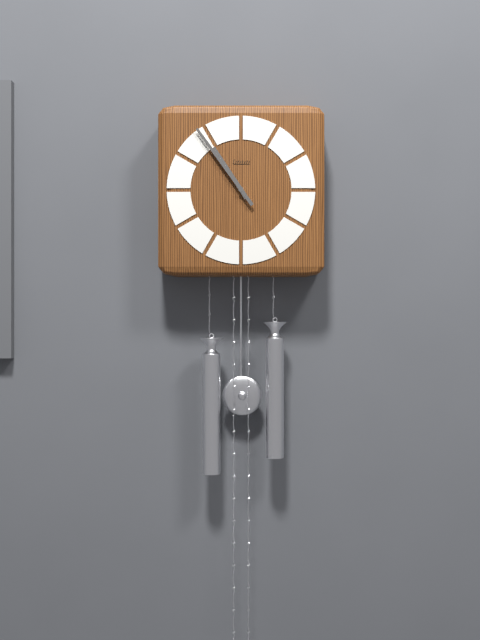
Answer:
h=10 m=54
